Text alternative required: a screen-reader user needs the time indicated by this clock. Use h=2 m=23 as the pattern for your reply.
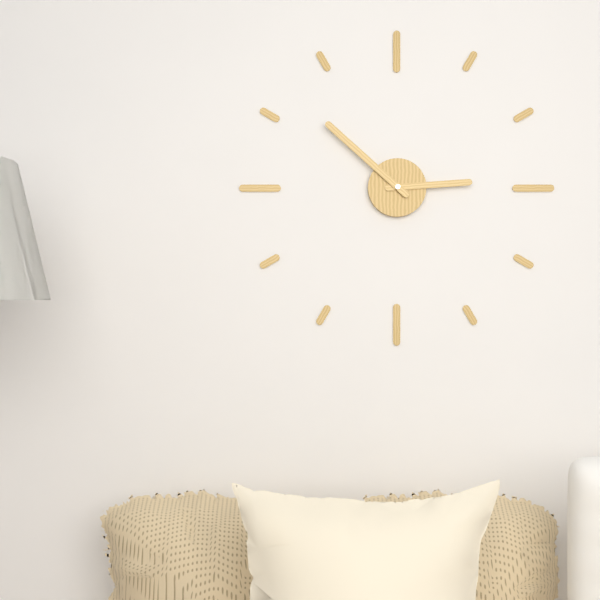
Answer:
h=2 m=52
